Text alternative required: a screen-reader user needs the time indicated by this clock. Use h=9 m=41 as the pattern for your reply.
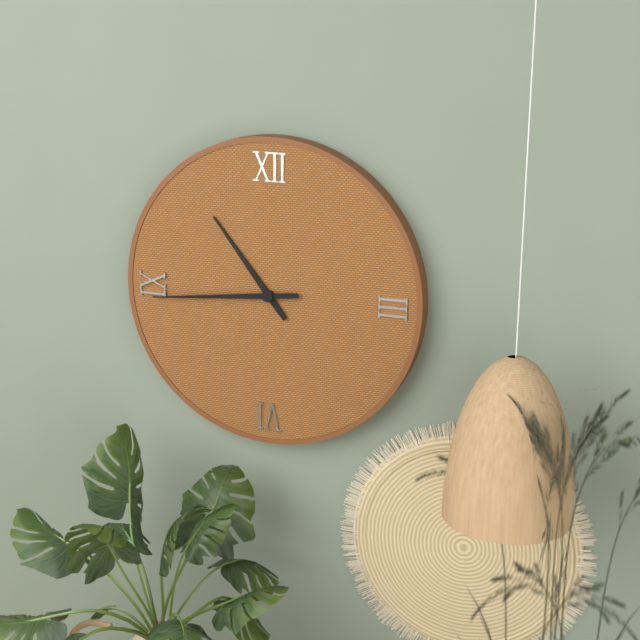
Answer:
h=10 m=44
